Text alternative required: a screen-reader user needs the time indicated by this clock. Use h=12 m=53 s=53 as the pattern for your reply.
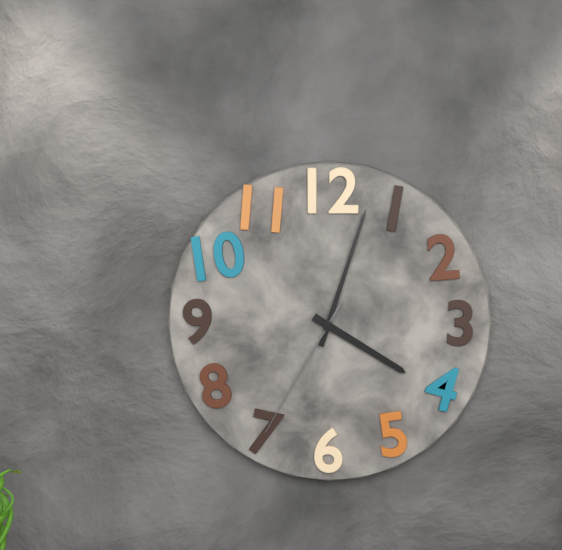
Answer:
h=4 m=3 s=35
